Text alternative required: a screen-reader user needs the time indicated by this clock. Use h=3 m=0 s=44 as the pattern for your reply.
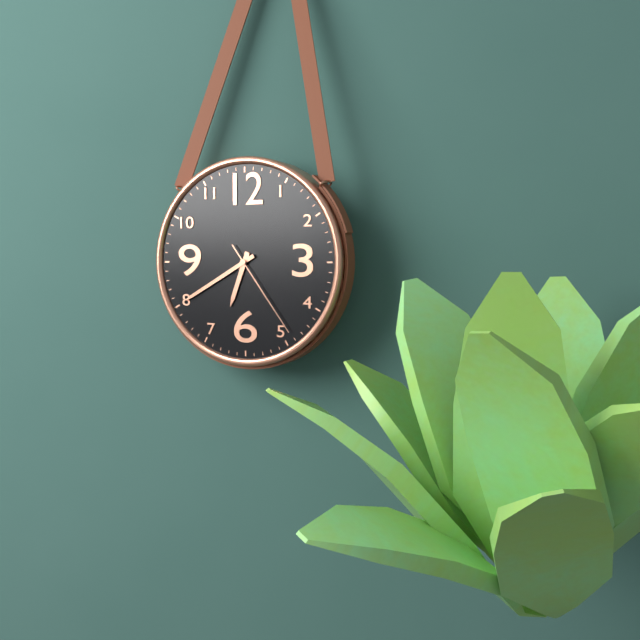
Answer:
h=6 m=40 s=24
